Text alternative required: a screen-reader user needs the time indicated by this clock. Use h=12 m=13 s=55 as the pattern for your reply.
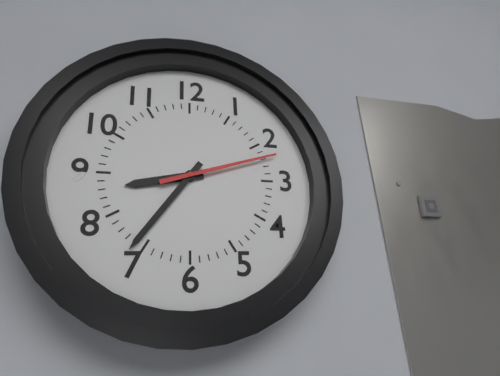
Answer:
h=8 m=36 s=12
